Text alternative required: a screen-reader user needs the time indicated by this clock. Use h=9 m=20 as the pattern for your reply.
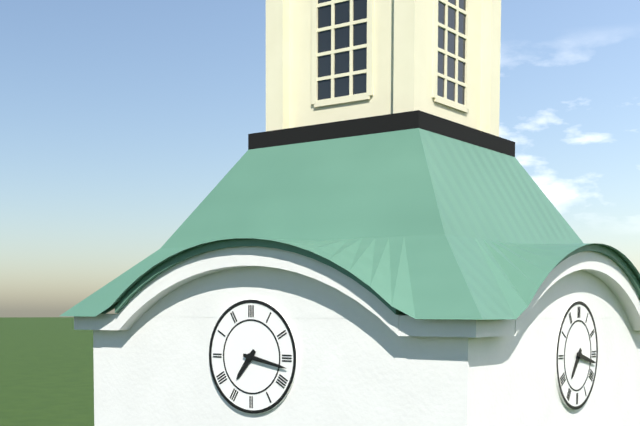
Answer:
h=7 m=17
